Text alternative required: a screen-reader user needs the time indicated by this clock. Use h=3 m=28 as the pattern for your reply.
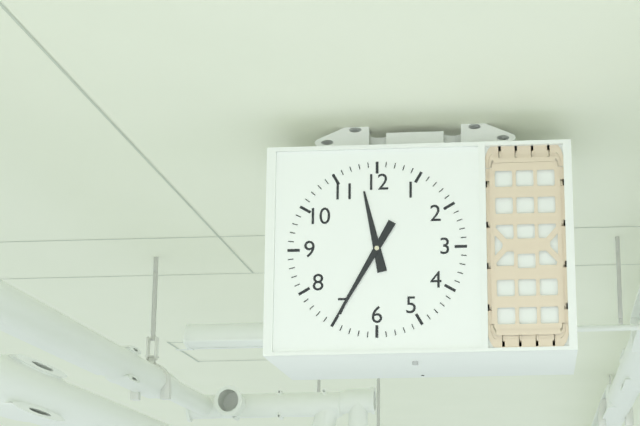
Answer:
h=11 m=35
